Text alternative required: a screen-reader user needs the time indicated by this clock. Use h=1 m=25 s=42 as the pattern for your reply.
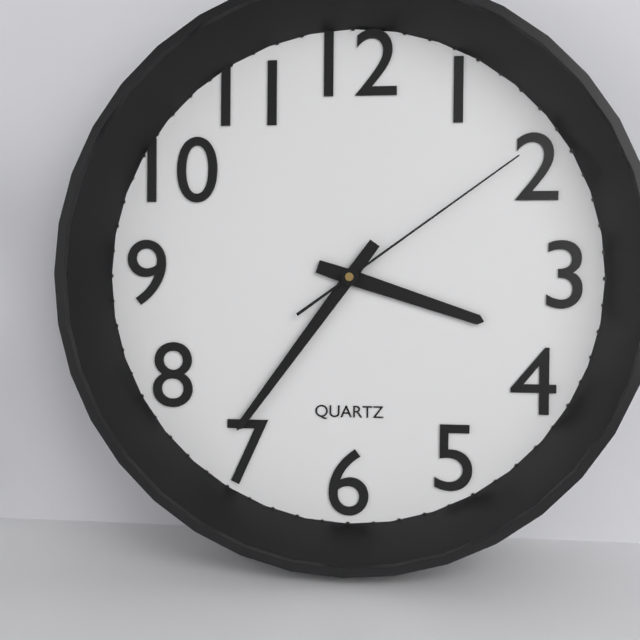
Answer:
h=3 m=36 s=9
